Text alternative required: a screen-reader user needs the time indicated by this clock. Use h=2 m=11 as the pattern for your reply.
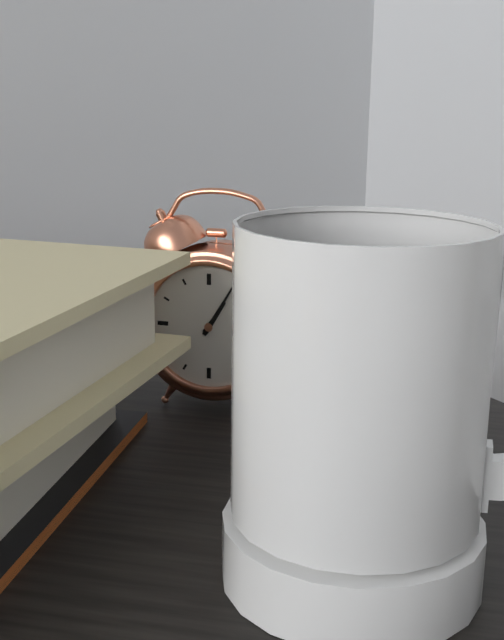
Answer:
h=1 m=5
